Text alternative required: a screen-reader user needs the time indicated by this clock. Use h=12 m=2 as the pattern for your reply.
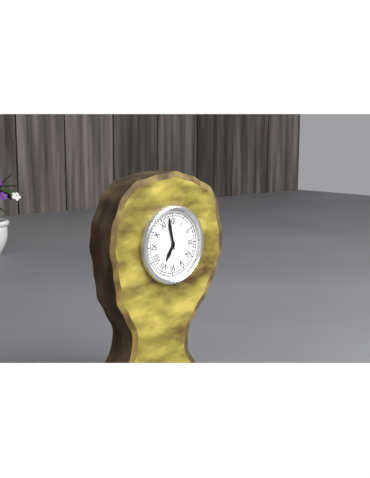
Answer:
h=6 m=58
